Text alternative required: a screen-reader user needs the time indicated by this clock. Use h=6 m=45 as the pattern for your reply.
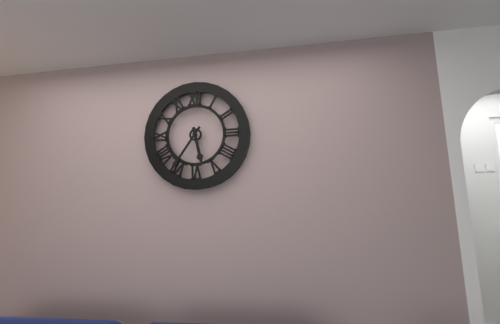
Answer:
h=5 m=36
